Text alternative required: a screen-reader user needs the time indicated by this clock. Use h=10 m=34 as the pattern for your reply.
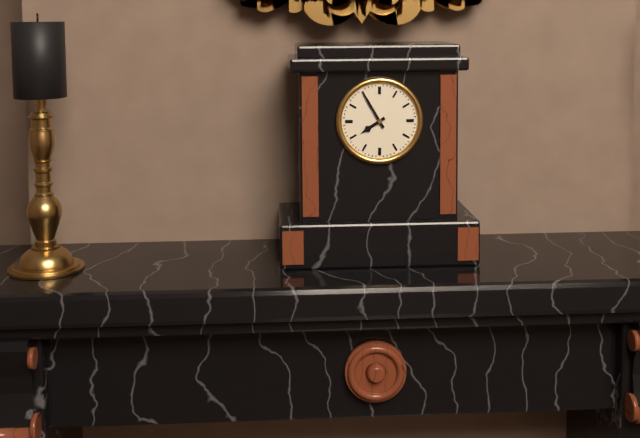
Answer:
h=7 m=55
